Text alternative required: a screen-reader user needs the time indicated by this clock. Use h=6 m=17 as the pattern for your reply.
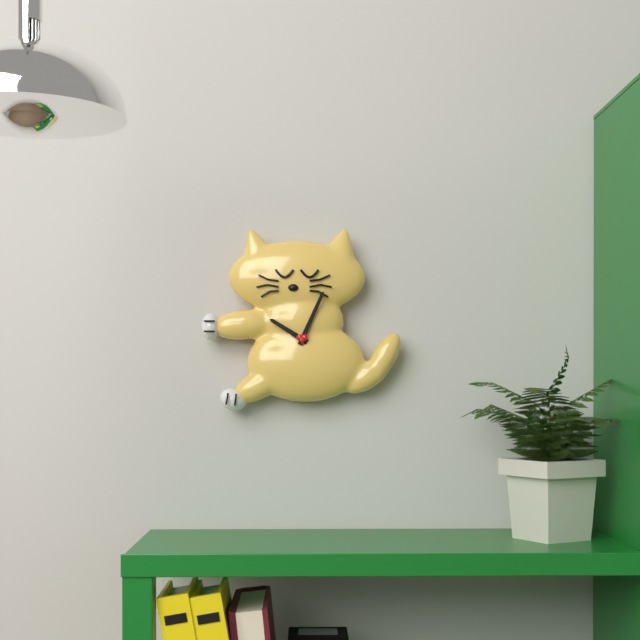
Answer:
h=10 m=4
